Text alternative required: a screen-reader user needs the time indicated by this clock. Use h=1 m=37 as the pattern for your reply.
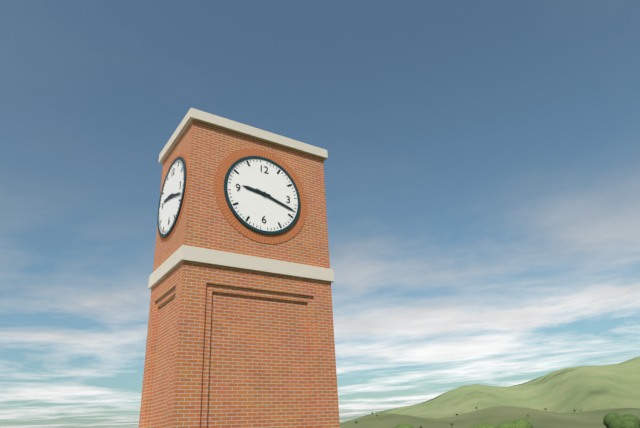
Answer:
h=9 m=18
